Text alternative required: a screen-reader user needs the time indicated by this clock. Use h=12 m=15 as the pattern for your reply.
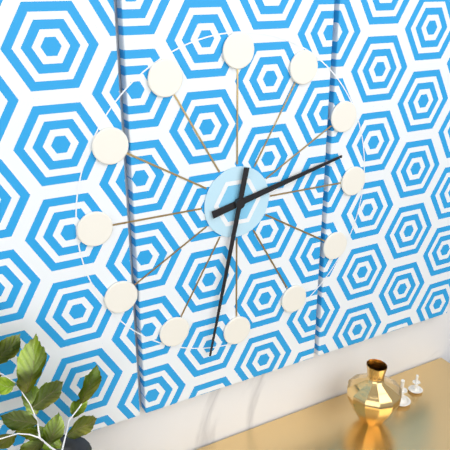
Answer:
h=2 m=32
